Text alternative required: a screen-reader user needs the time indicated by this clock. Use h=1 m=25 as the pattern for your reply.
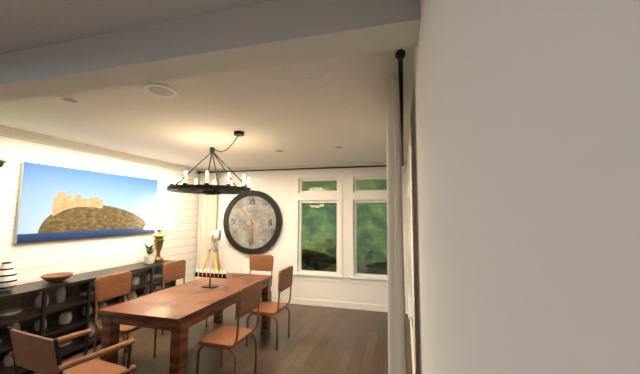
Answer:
h=5 m=53
